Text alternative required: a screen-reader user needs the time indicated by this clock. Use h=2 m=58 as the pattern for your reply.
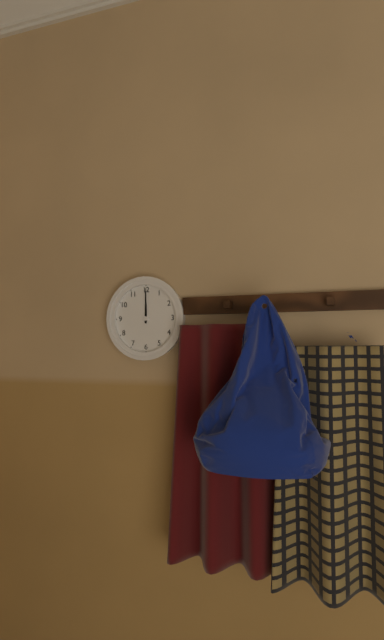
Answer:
h=12 m=0
